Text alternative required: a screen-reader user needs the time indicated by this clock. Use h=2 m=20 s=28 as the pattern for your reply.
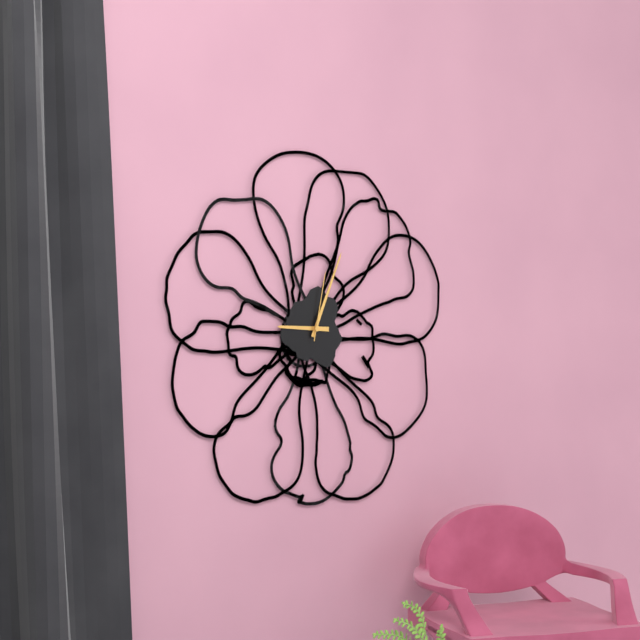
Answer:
h=9 m=4 s=2
